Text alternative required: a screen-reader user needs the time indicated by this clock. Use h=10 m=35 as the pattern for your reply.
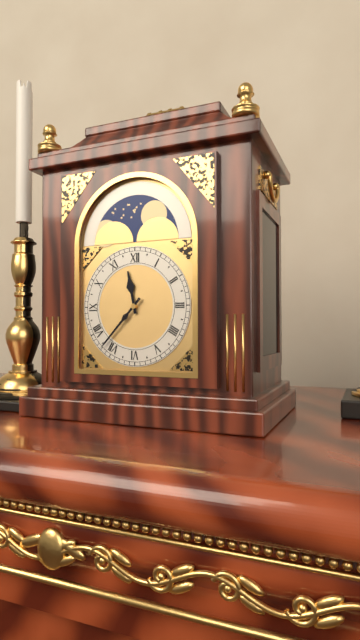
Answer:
h=11 m=37
